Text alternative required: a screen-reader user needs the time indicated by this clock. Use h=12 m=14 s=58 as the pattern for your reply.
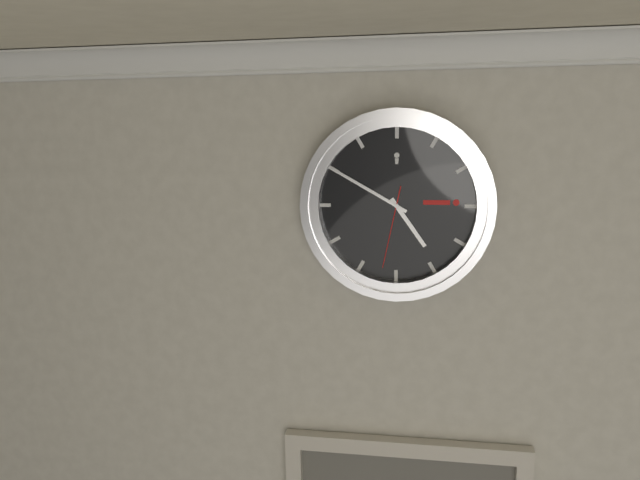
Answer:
h=4 m=50 s=32
